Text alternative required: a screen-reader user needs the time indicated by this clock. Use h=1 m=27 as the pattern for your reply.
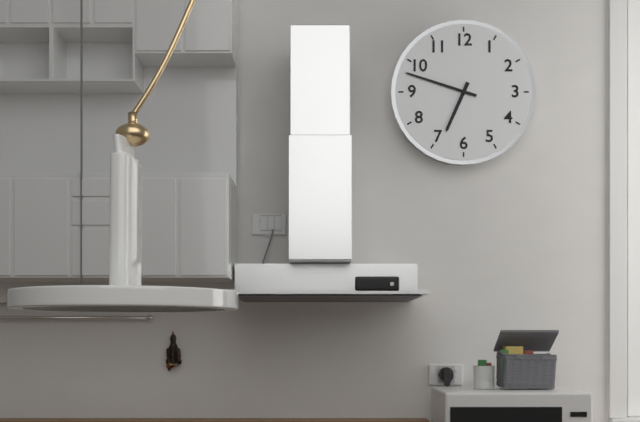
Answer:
h=6 m=48
